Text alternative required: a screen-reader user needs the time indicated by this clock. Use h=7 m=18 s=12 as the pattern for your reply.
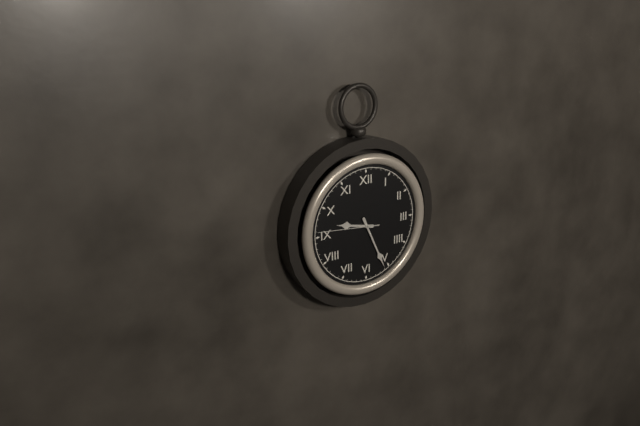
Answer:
h=9 m=26 s=46
